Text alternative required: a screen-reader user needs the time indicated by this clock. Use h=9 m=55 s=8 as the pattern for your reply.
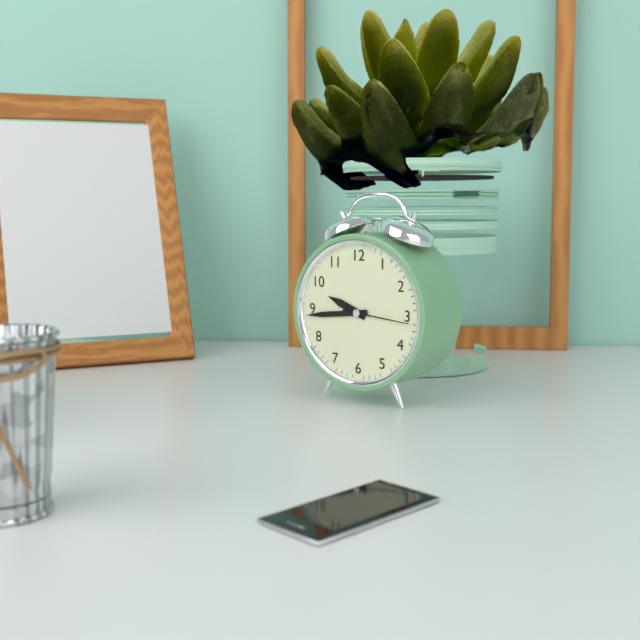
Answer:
h=9 m=44 s=16
